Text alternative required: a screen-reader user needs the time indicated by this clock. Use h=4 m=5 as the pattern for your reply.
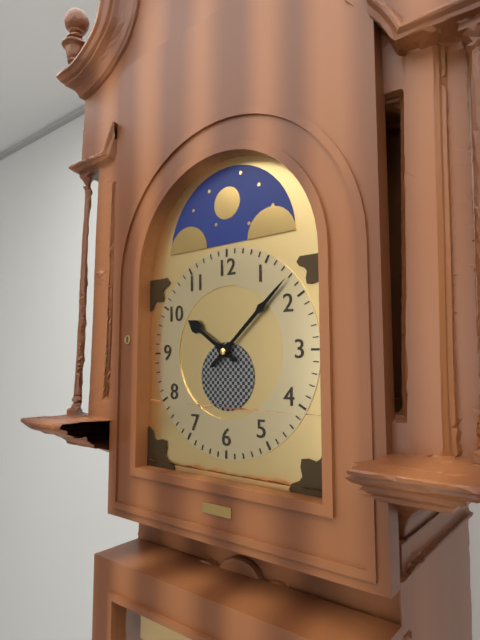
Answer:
h=10 m=8
